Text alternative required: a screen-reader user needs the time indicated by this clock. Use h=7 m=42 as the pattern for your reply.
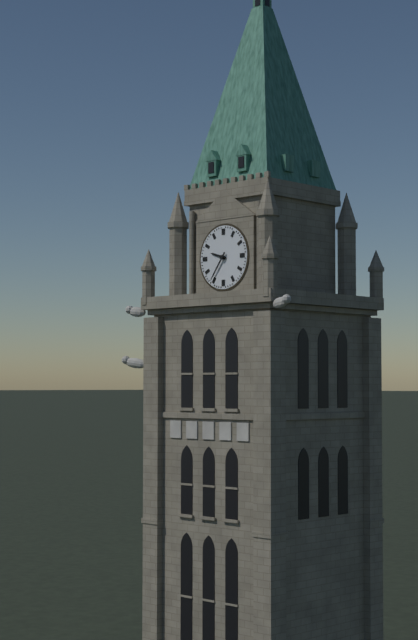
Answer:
h=9 m=36
